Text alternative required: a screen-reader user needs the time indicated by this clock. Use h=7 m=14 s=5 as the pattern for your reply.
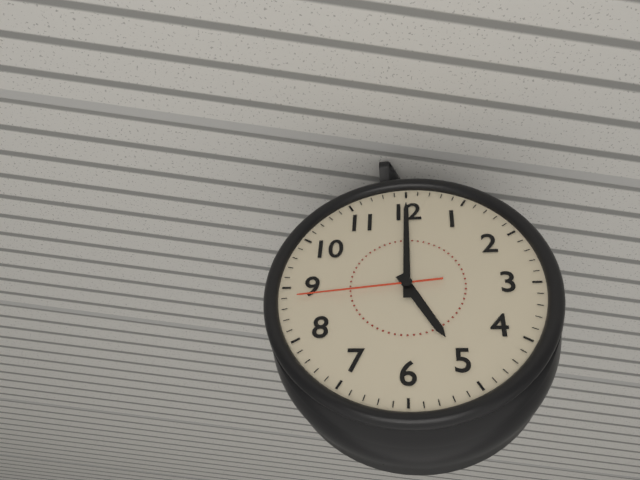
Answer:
h=5 m=0 s=44
